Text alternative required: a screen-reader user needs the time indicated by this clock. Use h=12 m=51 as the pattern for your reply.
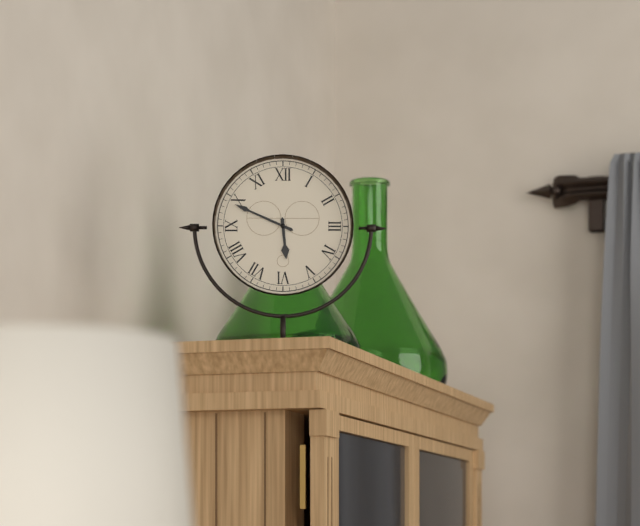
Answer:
h=5 m=49
